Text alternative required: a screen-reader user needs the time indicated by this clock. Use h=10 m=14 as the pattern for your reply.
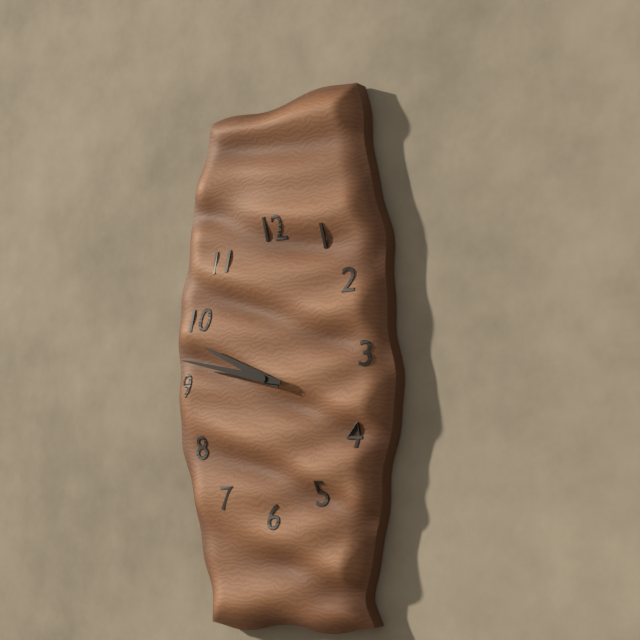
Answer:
h=9 m=47
